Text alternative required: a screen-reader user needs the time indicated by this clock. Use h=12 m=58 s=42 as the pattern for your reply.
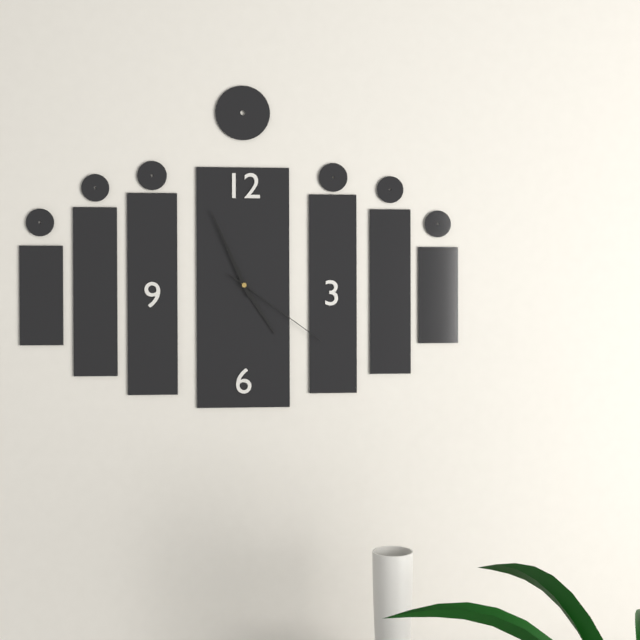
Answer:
h=4 m=56 s=21
